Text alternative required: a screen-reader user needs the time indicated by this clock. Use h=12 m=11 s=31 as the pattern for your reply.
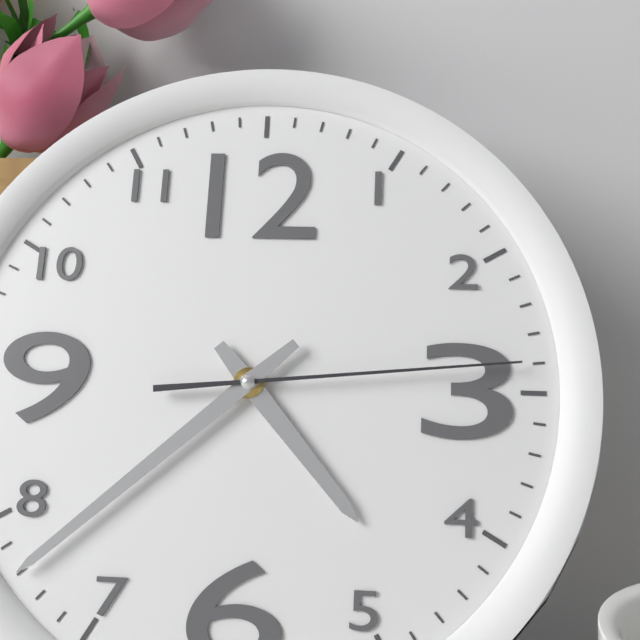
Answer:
h=4 m=38 s=14
